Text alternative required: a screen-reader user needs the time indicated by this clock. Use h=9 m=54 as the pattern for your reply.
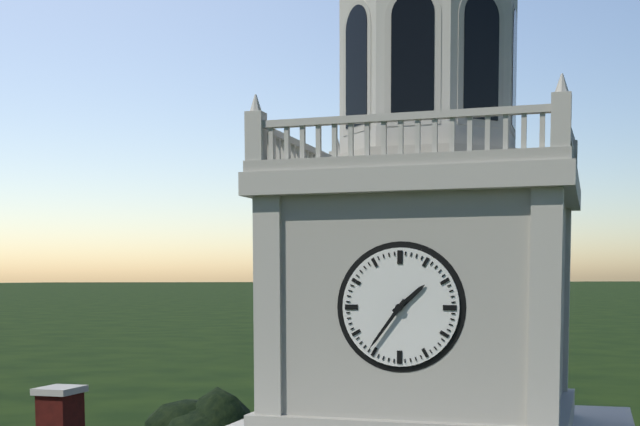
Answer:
h=1 m=36
